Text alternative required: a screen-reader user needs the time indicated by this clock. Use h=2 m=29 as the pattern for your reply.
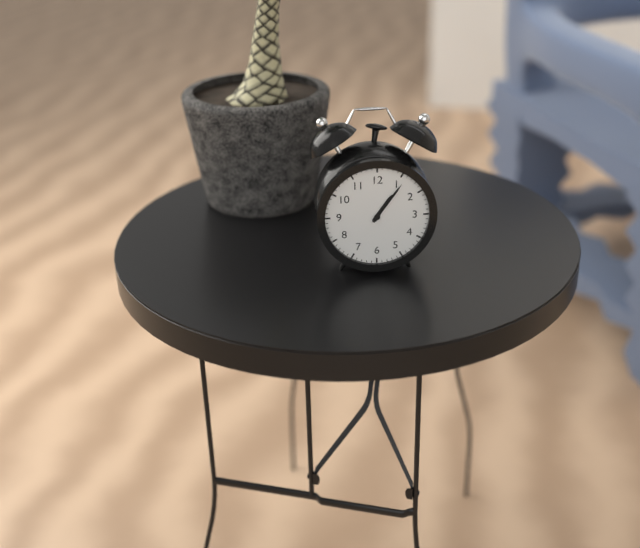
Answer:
h=1 m=6
